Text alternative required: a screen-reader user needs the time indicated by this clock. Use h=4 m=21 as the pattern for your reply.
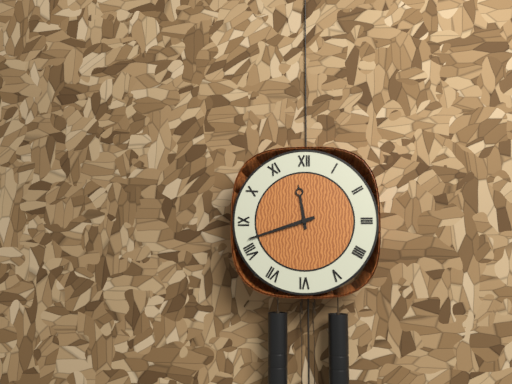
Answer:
h=11 m=42
